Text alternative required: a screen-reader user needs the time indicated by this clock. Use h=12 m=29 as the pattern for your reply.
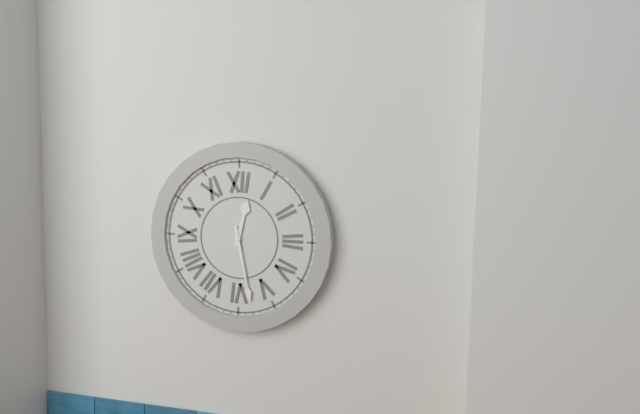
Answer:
h=12 m=28
